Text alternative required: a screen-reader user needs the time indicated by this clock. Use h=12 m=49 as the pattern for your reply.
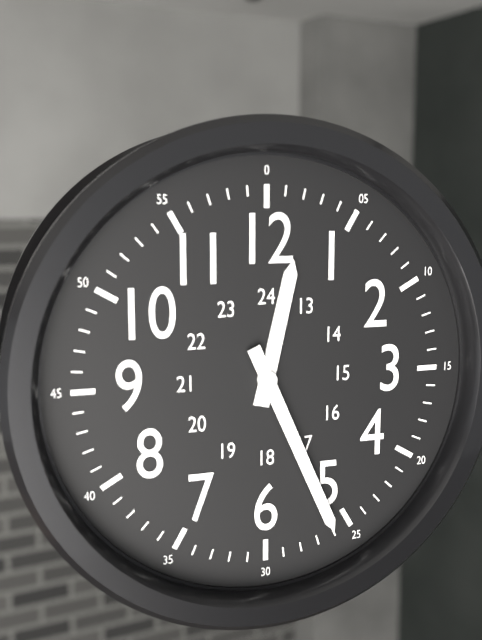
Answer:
h=12 m=26
